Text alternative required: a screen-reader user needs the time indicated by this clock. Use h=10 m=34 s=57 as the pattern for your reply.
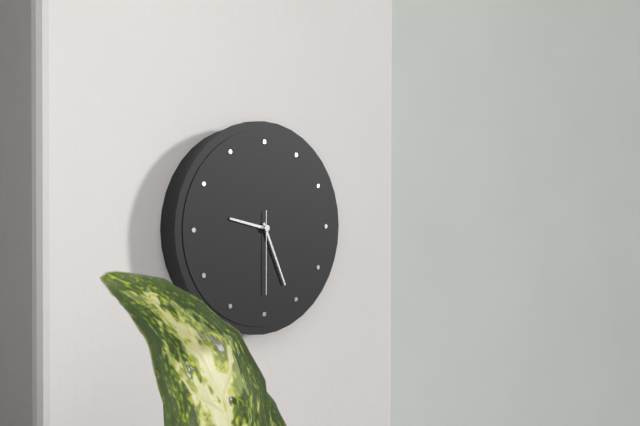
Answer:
h=9 m=26 s=30
